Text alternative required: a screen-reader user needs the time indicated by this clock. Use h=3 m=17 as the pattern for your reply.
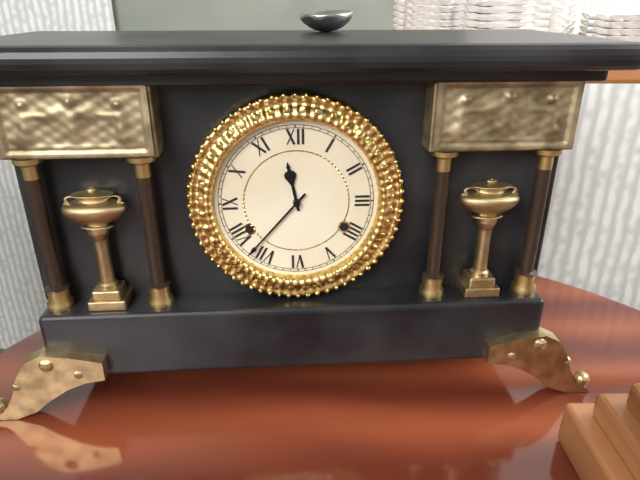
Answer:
h=11 m=37
